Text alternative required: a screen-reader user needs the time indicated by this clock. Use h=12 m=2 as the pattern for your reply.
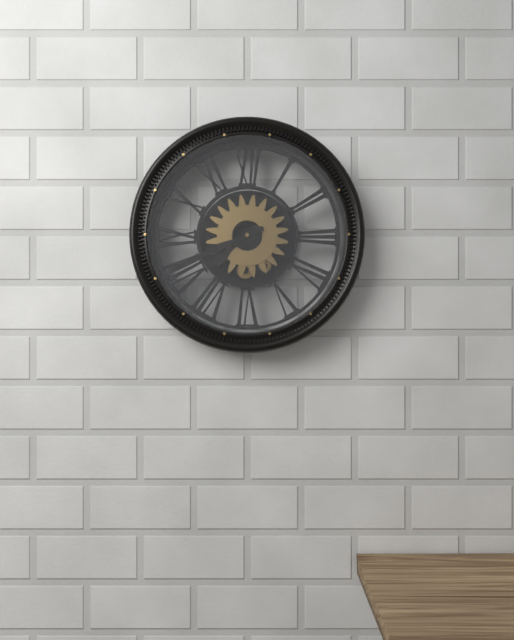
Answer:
h=7 m=41
